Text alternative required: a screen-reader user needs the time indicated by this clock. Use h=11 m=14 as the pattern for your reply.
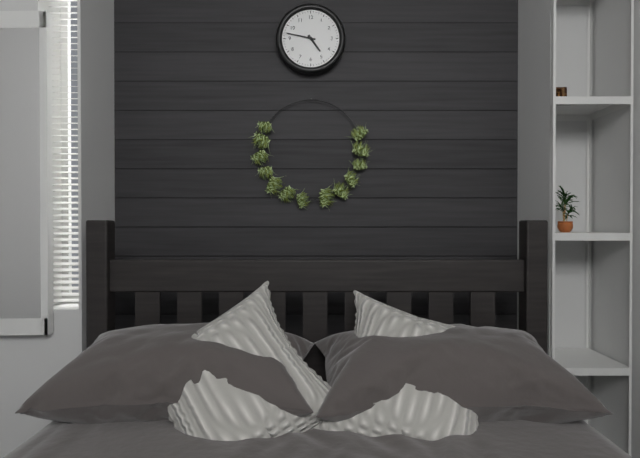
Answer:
h=4 m=47
